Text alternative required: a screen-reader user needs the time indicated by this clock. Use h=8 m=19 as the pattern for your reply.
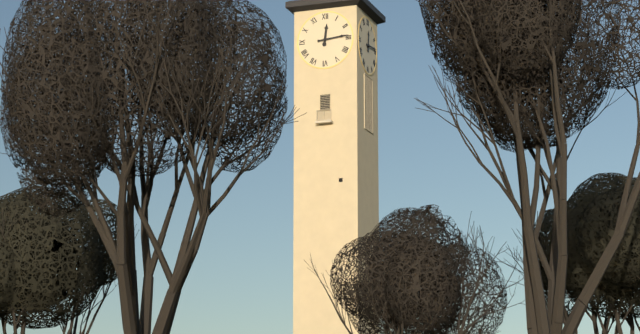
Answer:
h=12 m=14
